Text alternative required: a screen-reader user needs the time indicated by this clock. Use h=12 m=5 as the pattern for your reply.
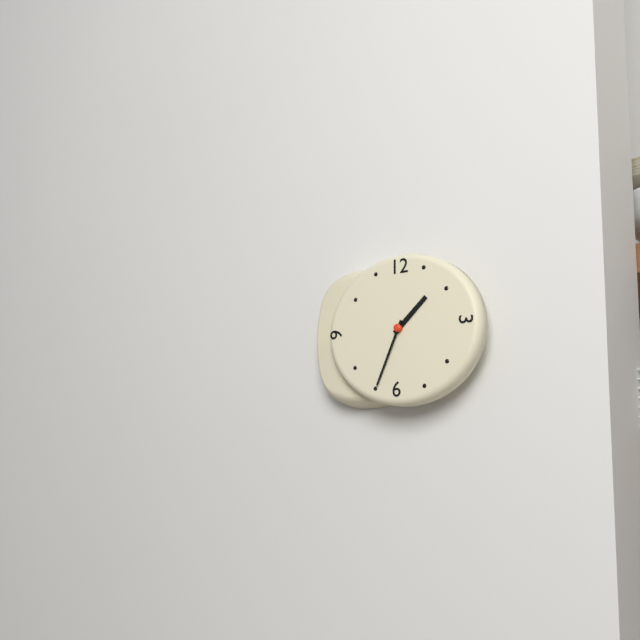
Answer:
h=1 m=34
